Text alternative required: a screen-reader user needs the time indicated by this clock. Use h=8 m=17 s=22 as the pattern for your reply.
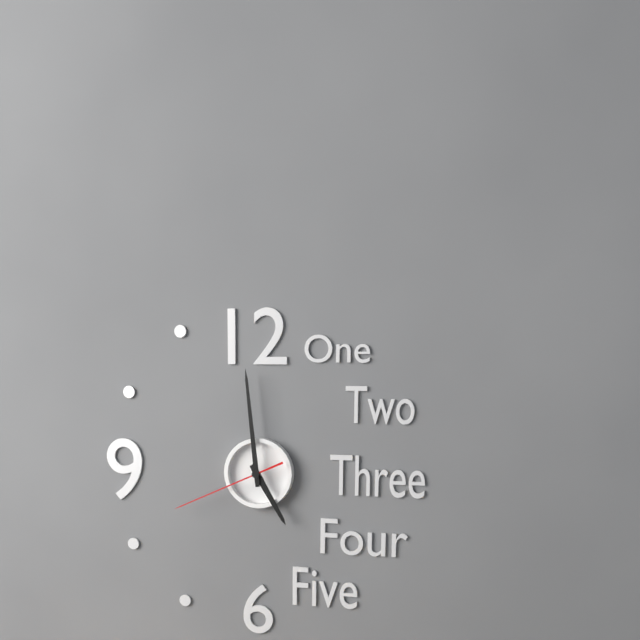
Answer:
h=4 m=59 s=41
